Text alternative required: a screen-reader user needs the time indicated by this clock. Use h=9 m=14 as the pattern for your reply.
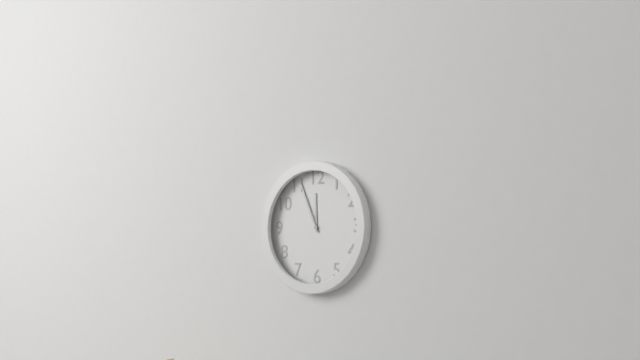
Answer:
h=11 m=56
